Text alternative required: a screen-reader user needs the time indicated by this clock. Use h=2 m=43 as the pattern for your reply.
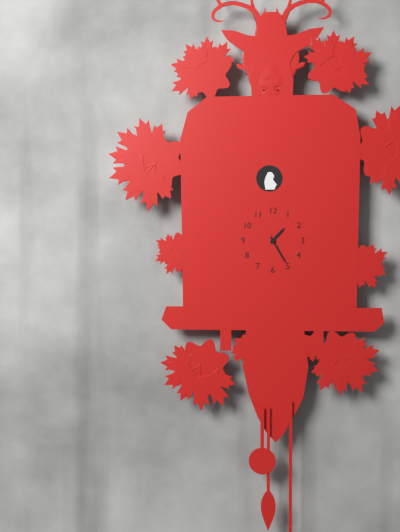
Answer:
h=1 m=25
